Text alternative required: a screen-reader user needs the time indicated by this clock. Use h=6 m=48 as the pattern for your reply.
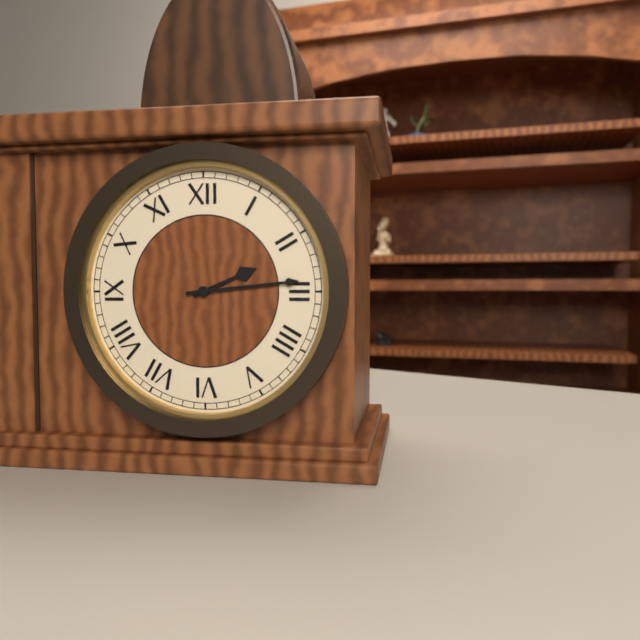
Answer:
h=2 m=14
